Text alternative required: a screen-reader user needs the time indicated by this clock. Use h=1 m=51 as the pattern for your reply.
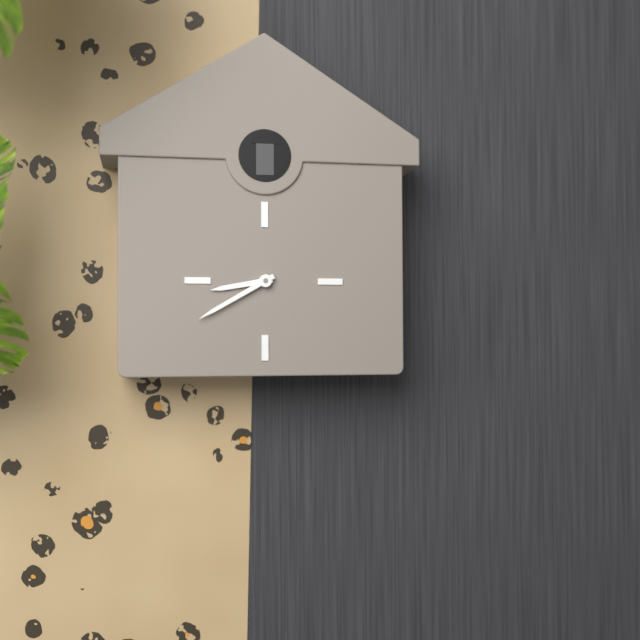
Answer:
h=8 m=40
